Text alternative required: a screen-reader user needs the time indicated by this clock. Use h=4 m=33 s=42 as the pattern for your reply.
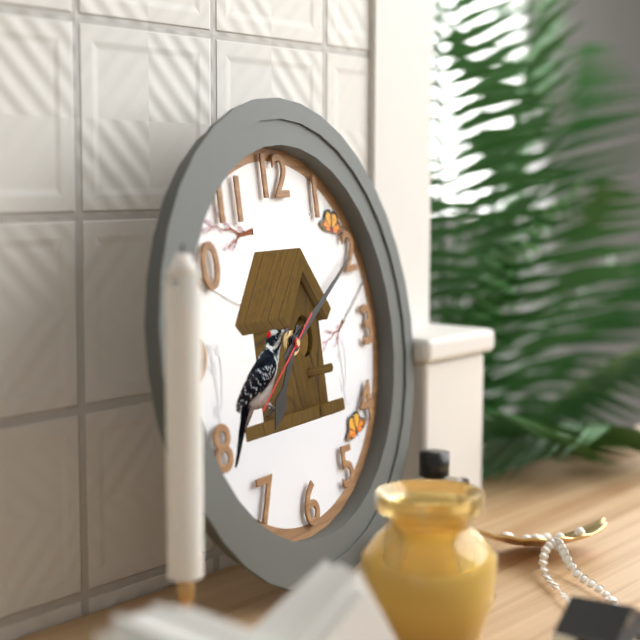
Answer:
h=7 m=10 s=39
